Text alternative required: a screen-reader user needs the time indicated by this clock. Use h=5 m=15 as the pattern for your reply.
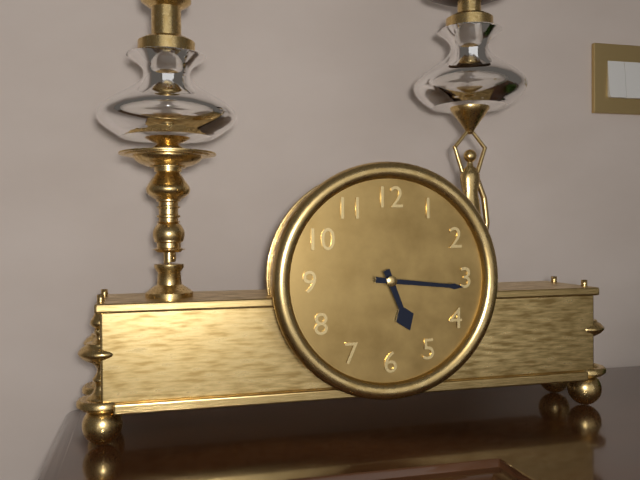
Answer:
h=5 m=16
